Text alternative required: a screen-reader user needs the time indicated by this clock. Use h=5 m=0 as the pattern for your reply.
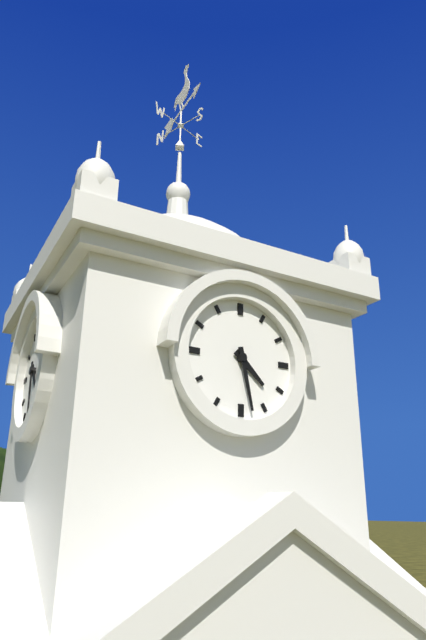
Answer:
h=4 m=28
